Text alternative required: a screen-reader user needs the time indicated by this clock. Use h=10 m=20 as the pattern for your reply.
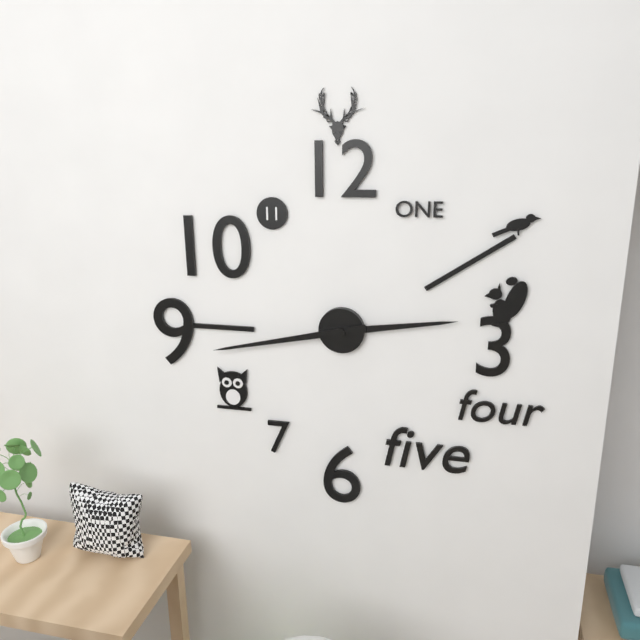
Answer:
h=2 m=43
